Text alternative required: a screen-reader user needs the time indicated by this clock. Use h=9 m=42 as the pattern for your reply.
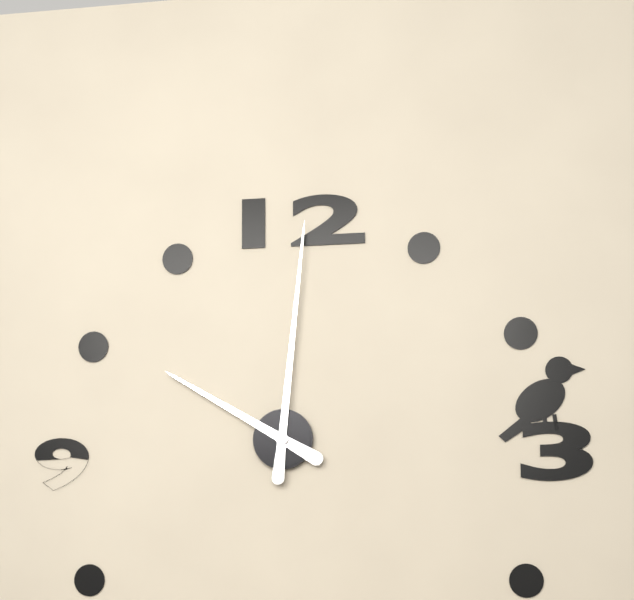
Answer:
h=10 m=1
